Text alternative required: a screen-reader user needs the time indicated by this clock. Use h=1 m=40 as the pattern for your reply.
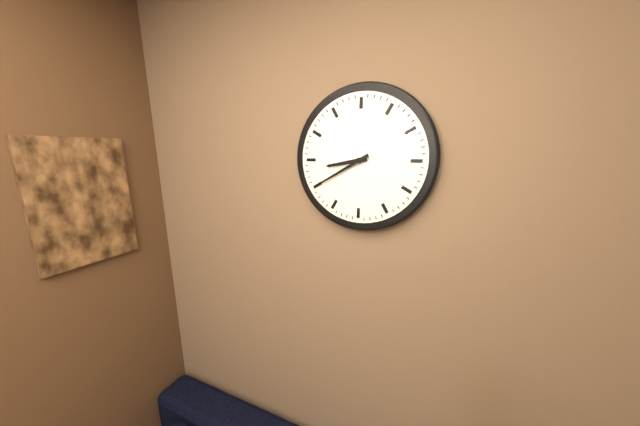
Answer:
h=8 m=40
